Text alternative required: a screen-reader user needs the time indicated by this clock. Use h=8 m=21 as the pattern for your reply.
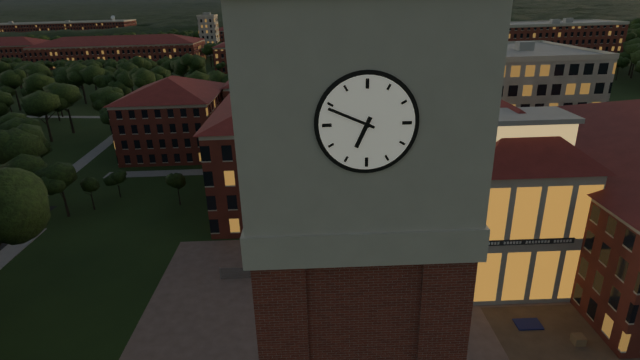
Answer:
h=6 m=49
